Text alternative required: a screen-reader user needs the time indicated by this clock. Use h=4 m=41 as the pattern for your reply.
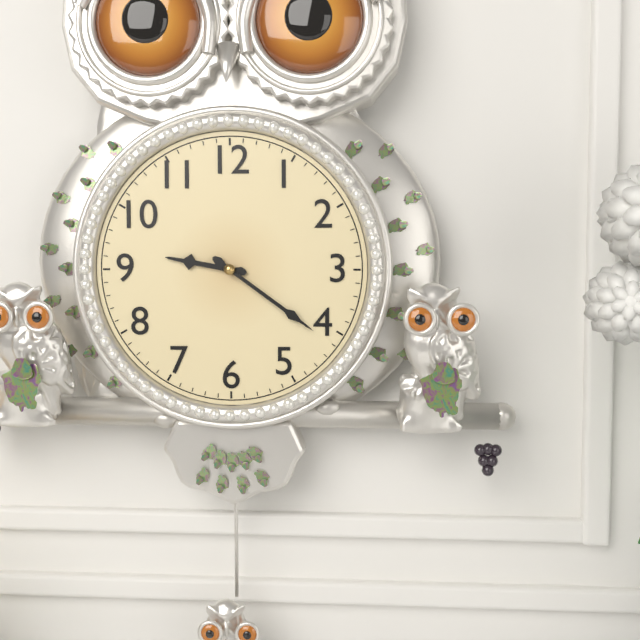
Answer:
h=9 m=21
